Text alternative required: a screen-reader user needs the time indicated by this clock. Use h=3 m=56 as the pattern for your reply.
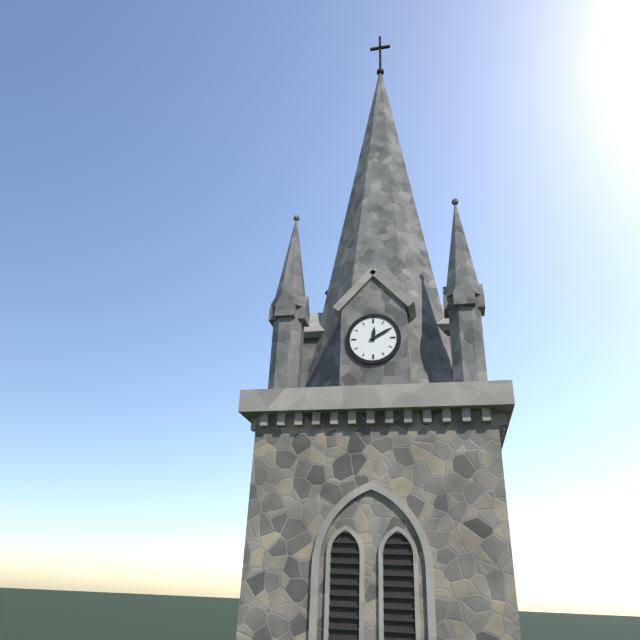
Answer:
h=12 m=10
